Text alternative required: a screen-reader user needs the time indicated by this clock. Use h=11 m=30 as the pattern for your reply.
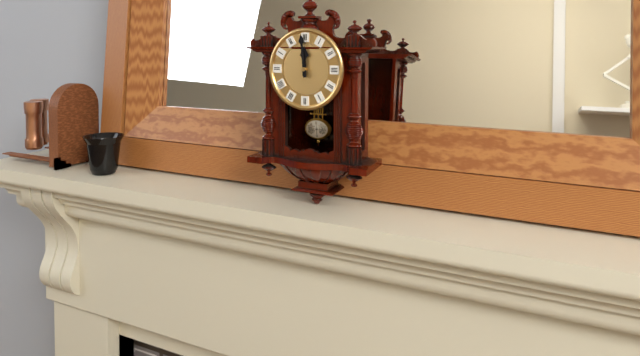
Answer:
h=11 m=59
